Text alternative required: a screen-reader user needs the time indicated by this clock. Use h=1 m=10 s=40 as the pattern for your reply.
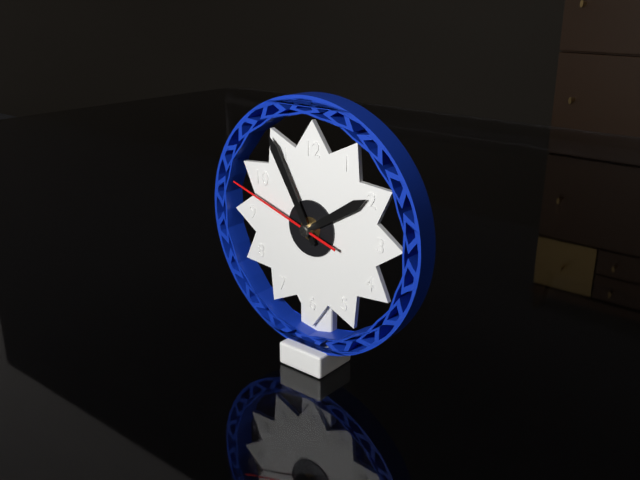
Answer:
h=1 m=55 s=48
